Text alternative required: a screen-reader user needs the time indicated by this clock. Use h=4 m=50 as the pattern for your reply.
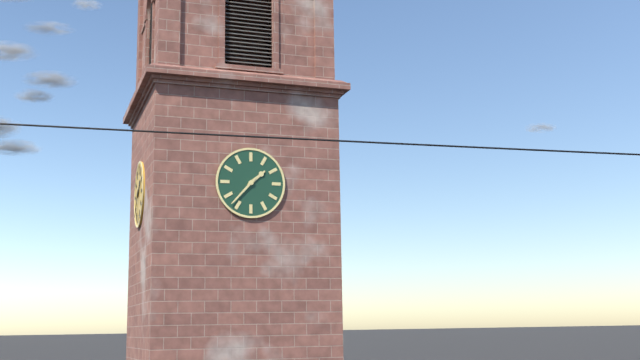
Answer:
h=1 m=37
